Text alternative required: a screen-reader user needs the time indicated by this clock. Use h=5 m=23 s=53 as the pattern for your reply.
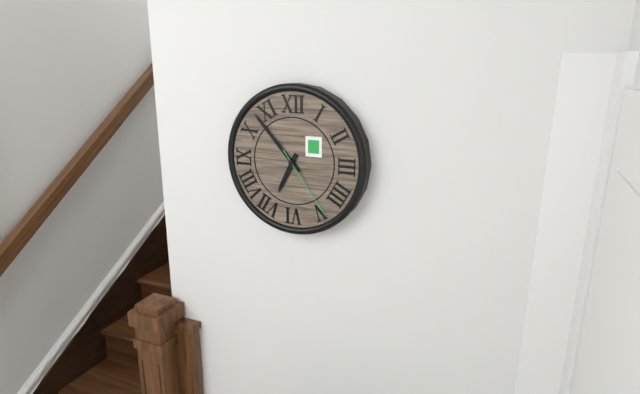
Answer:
h=6 m=53 s=24
